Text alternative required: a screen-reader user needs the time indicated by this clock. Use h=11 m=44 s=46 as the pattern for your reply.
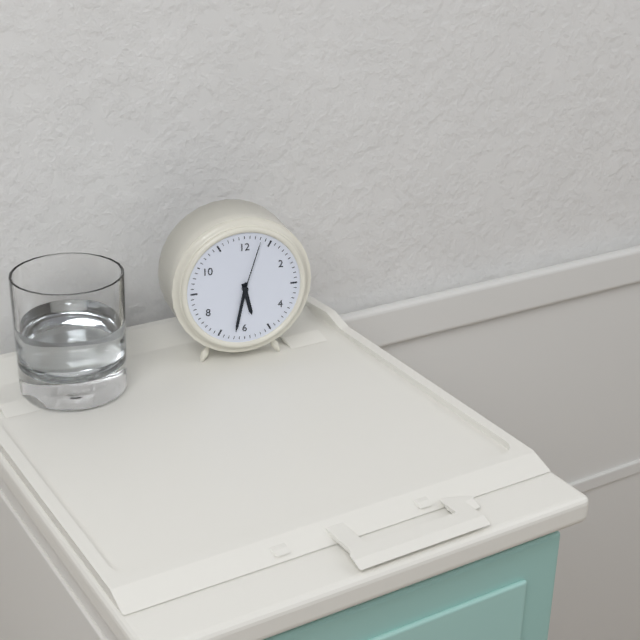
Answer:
h=5 m=32 s=3
